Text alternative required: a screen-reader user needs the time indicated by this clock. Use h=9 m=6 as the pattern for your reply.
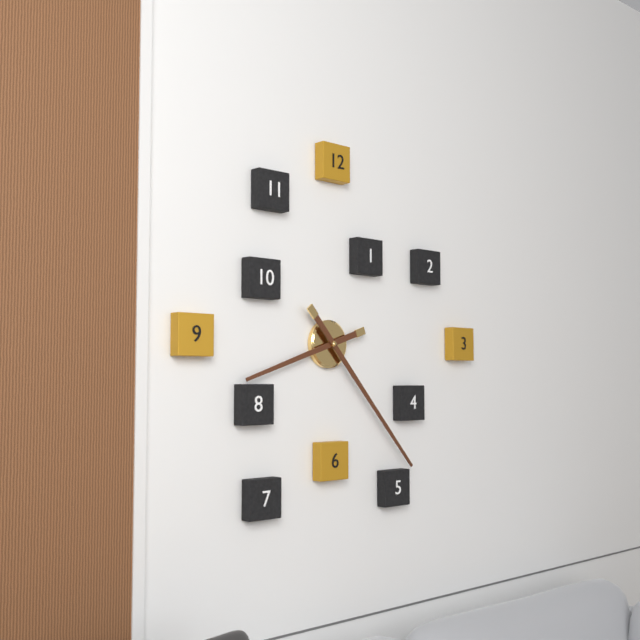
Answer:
h=8 m=23
